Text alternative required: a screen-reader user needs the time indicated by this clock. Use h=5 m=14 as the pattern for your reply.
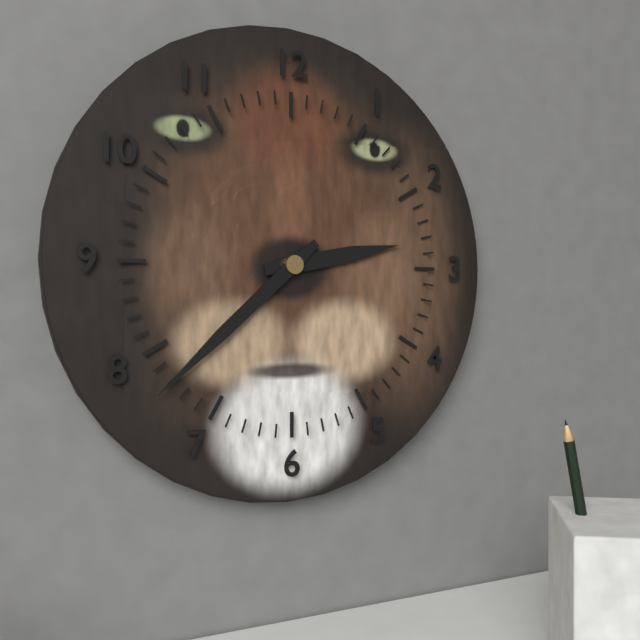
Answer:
h=2 m=38
